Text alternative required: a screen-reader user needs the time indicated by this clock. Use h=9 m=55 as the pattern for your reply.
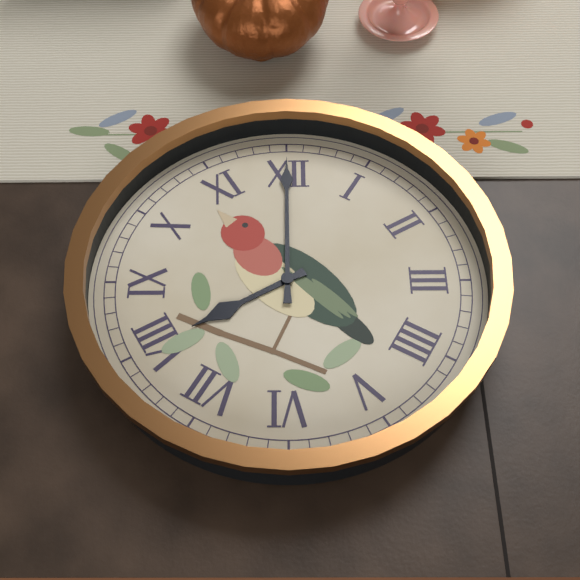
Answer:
h=8 m=0
